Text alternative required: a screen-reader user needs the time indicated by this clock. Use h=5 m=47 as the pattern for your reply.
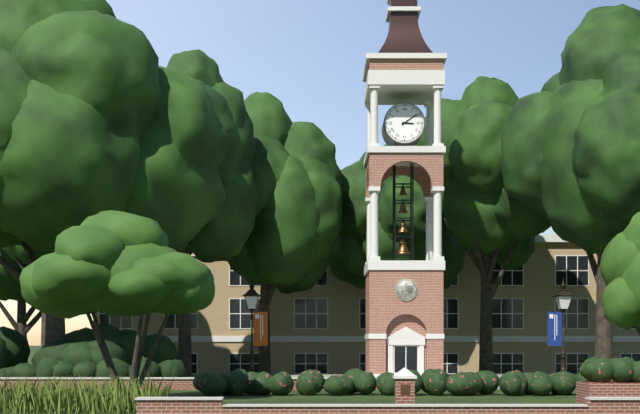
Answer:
h=3 m=9
